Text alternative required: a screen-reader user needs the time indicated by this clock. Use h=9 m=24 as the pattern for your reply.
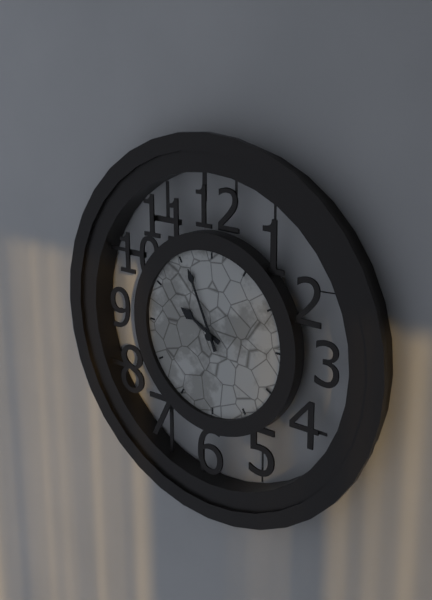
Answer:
h=9 m=56
